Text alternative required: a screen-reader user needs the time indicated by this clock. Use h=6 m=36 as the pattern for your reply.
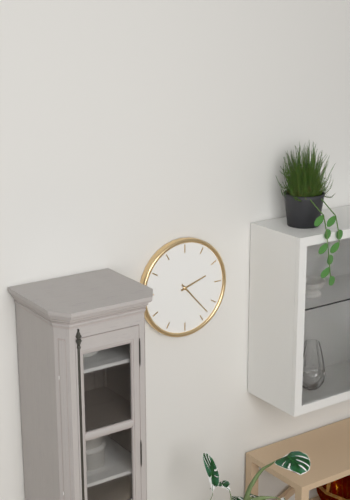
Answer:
h=2 m=23
